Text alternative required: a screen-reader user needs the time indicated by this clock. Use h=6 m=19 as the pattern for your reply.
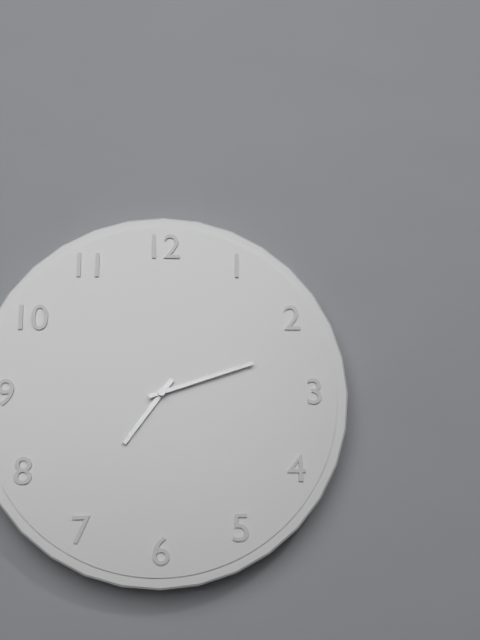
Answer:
h=7 m=12
